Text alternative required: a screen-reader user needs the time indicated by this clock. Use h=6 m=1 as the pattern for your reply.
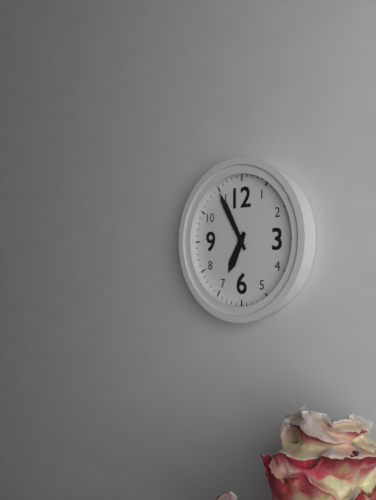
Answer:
h=6 m=55
